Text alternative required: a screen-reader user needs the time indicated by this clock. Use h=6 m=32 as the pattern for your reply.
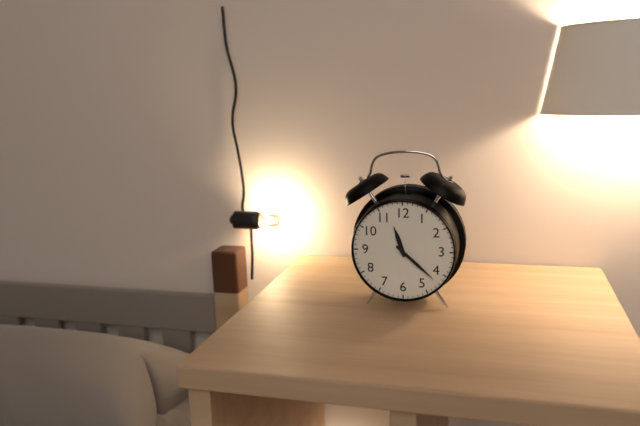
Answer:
h=11 m=22
